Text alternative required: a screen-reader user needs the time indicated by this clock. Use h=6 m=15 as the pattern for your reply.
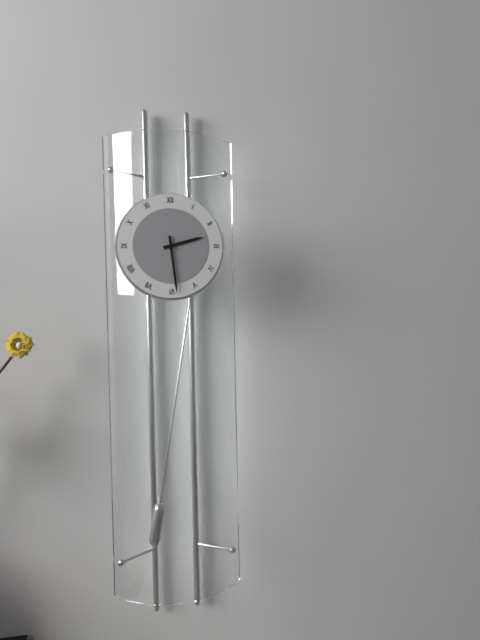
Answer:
h=2 m=29
